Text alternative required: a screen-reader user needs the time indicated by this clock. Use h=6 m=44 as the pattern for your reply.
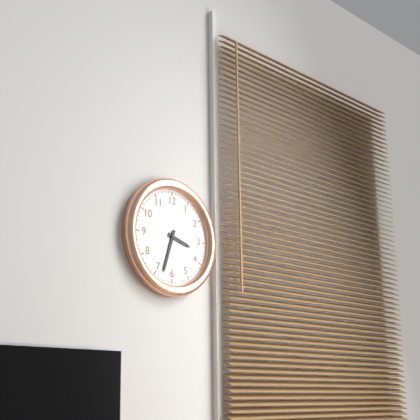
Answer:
h=3 m=33
